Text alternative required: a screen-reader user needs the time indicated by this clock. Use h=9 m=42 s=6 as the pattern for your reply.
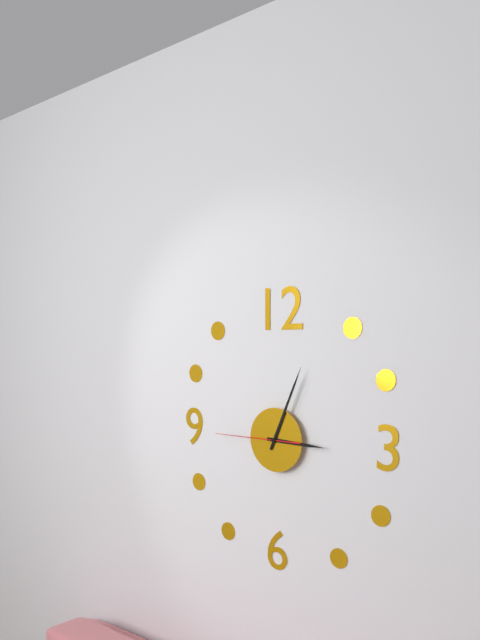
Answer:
h=3 m=4 s=45
